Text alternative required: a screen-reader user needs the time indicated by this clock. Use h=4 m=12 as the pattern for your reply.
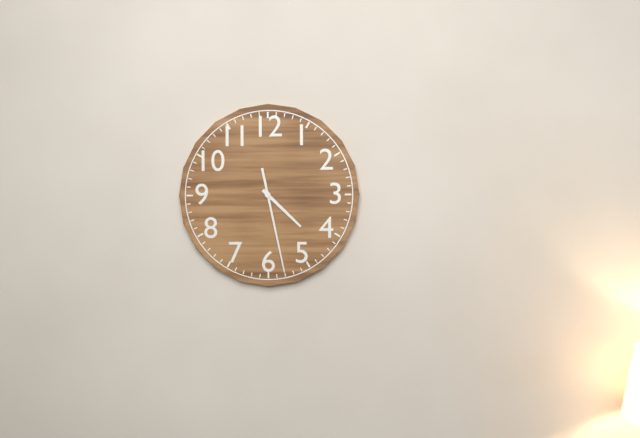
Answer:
h=4 m=28
